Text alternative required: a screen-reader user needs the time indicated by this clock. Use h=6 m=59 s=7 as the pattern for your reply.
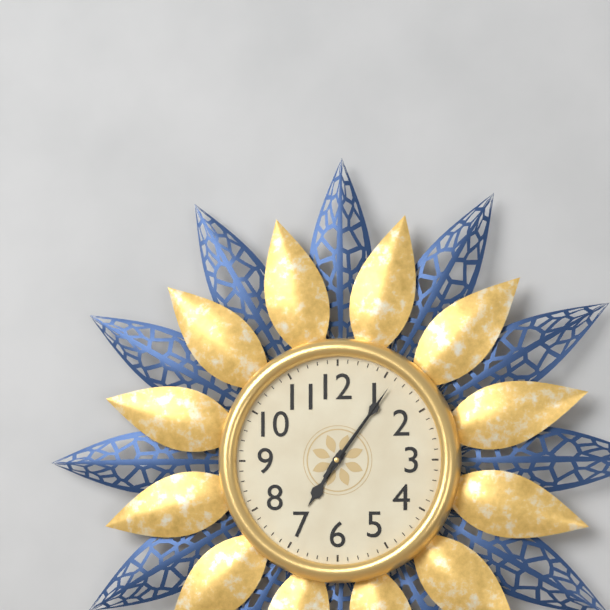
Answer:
h=7 m=6 s=6
